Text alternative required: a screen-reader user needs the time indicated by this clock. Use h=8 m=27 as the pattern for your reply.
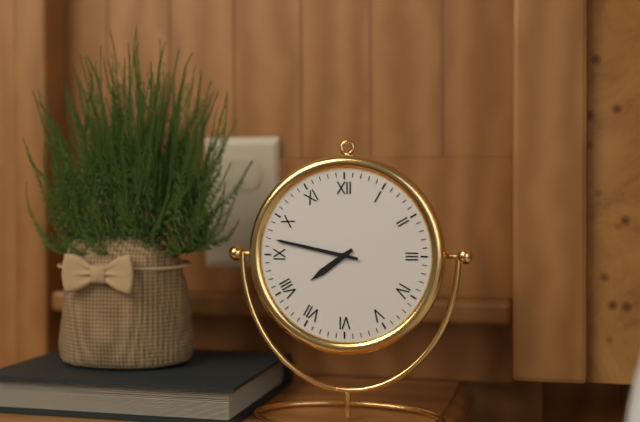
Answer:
h=7 m=47
